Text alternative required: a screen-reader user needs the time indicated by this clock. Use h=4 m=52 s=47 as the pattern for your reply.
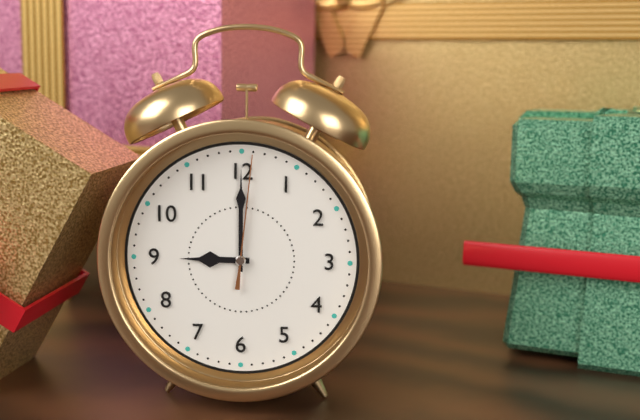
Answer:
h=9 m=0 s=1
